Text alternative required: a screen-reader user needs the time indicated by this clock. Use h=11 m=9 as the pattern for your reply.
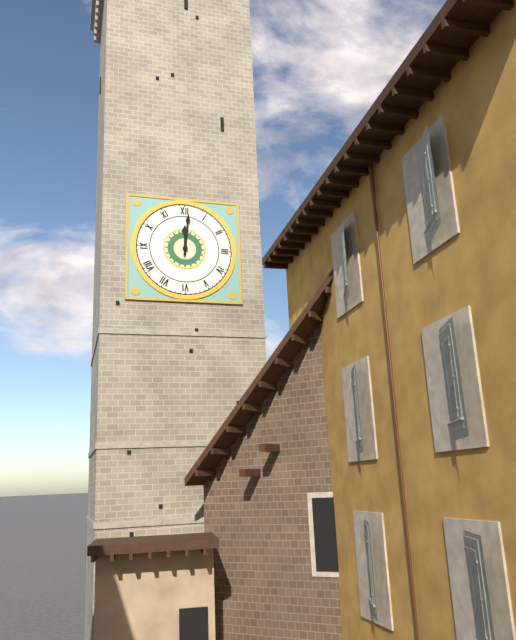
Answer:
h=12 m=1
